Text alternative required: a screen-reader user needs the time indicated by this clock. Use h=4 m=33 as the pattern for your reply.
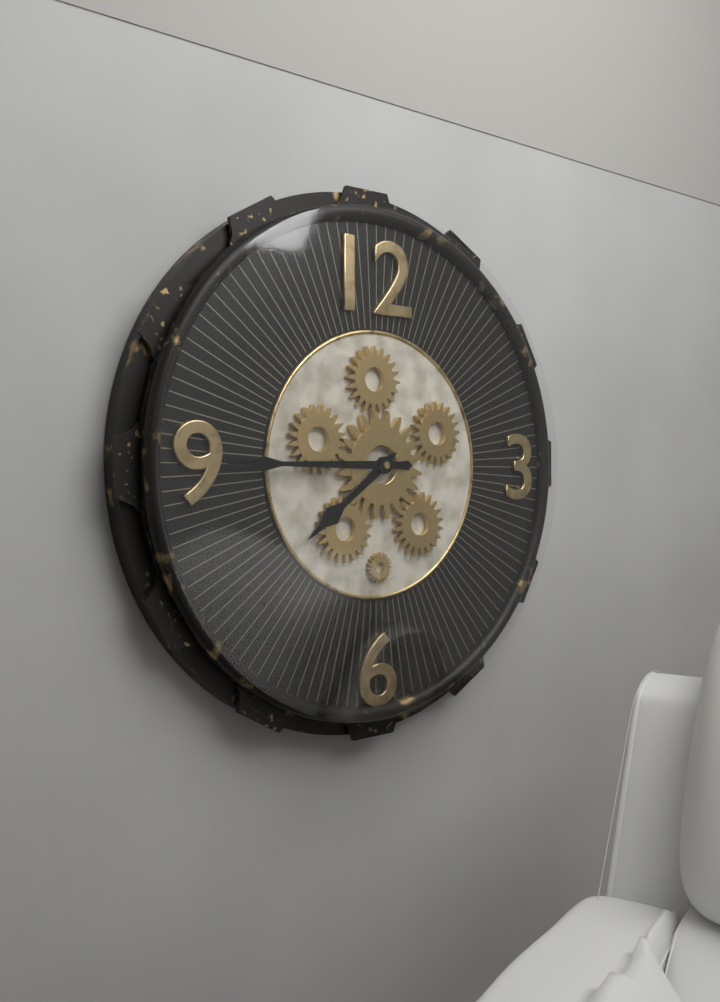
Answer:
h=7 m=45
